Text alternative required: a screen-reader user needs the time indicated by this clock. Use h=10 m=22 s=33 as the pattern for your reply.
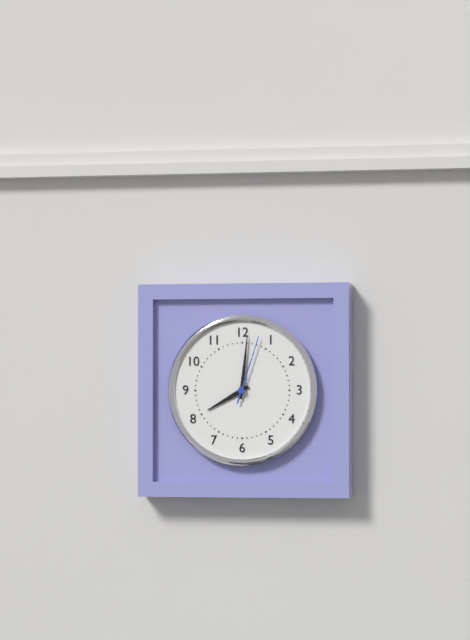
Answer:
h=8 m=1 s=3
